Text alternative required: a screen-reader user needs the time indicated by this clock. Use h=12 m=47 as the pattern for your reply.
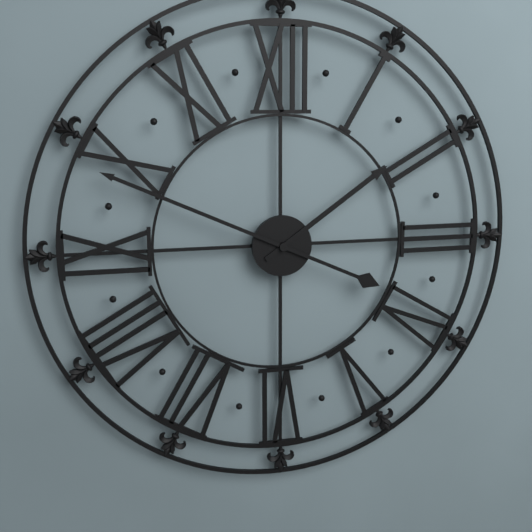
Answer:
h=1 m=49
